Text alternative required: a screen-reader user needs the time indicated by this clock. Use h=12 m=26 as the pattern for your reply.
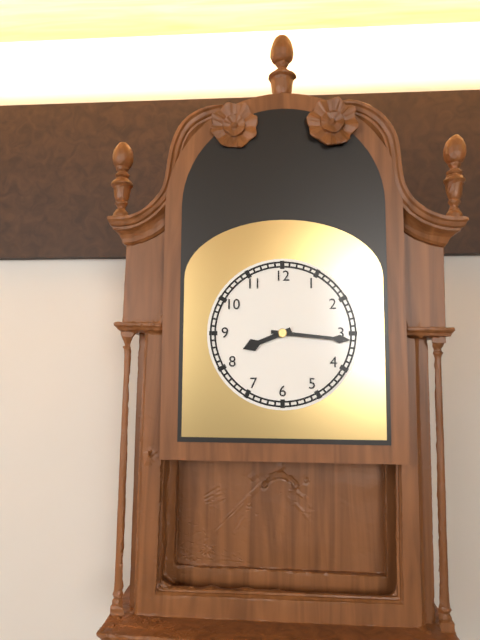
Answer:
h=8 m=16
